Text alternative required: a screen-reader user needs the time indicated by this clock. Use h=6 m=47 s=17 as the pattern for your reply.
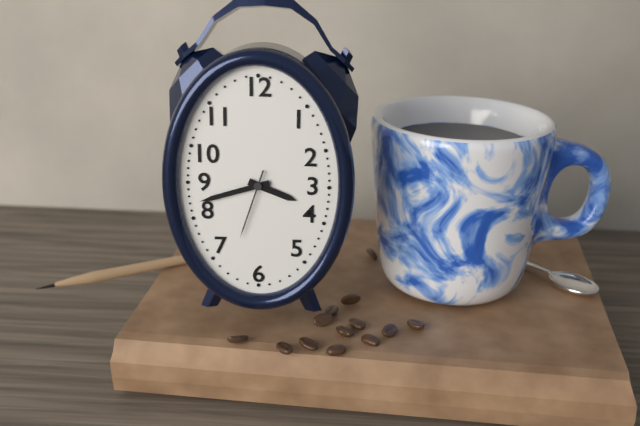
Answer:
h=3 m=42 s=33
